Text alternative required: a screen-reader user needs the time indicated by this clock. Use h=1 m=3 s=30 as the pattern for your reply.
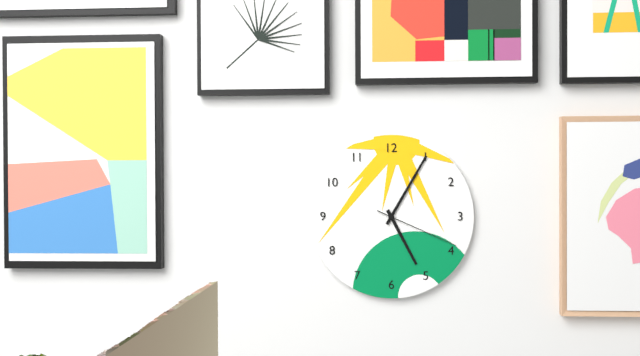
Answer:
h=5 m=5 s=19
